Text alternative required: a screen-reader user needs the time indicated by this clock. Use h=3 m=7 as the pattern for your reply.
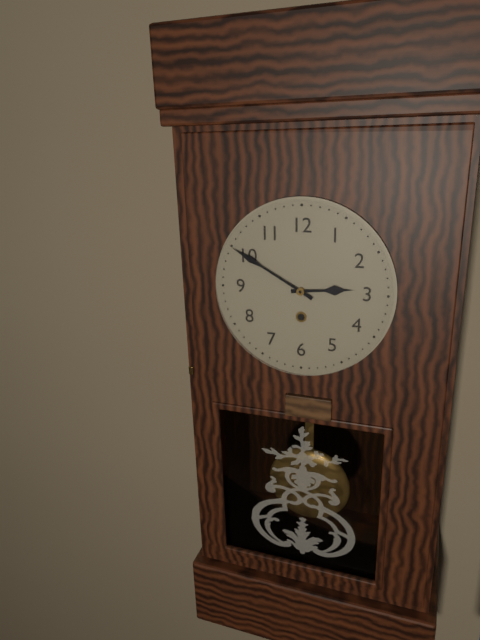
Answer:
h=2 m=50
